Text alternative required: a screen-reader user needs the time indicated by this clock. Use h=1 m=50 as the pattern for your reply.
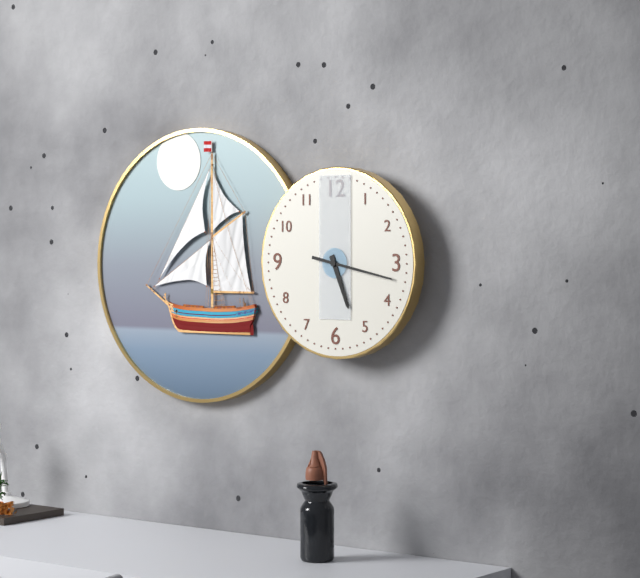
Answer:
h=5 m=17
